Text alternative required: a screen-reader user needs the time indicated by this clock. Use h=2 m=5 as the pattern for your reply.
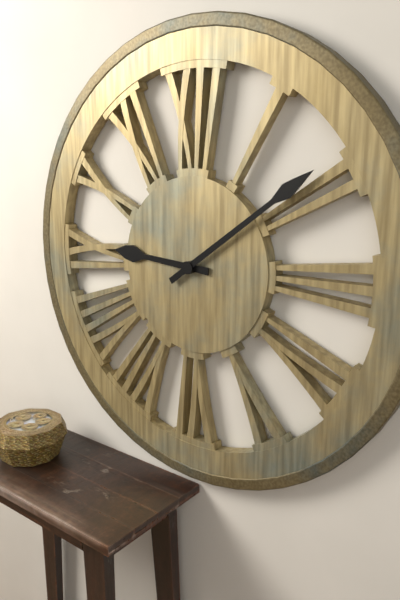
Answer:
h=9 m=9
